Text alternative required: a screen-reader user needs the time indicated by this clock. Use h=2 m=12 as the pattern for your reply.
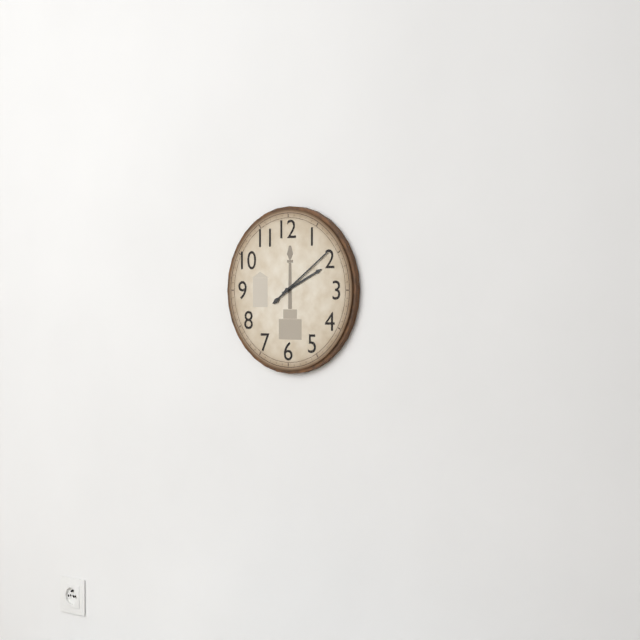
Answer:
h=2 m=9
